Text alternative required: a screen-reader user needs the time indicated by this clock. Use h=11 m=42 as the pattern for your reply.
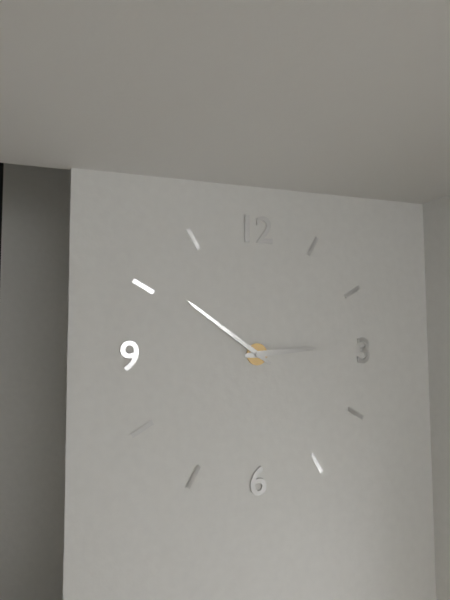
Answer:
h=2 m=51
